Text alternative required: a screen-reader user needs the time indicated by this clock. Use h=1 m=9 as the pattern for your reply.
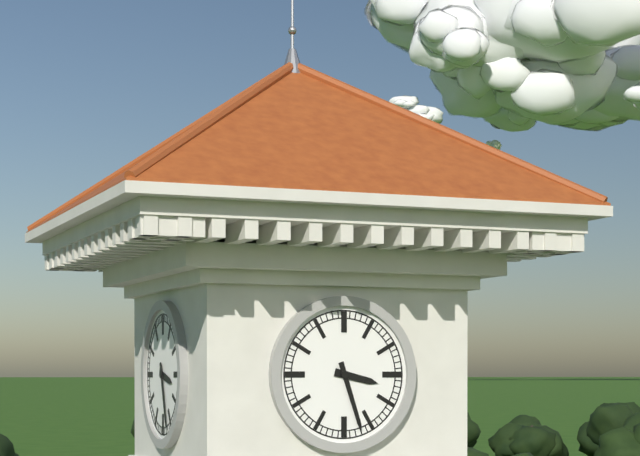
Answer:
h=3 m=27
